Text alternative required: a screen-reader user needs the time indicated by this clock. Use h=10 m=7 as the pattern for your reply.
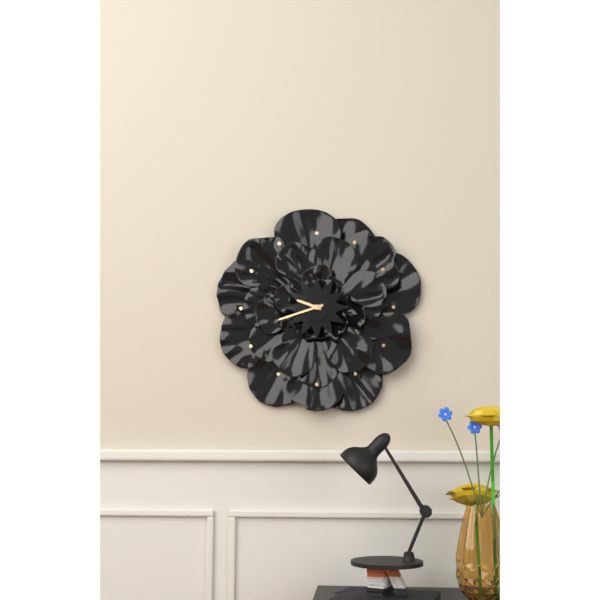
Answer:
h=9 m=42
